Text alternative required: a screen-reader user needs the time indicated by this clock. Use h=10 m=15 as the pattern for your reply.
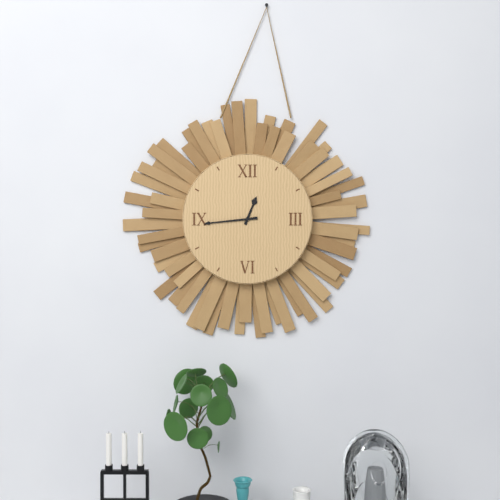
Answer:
h=12 m=44
